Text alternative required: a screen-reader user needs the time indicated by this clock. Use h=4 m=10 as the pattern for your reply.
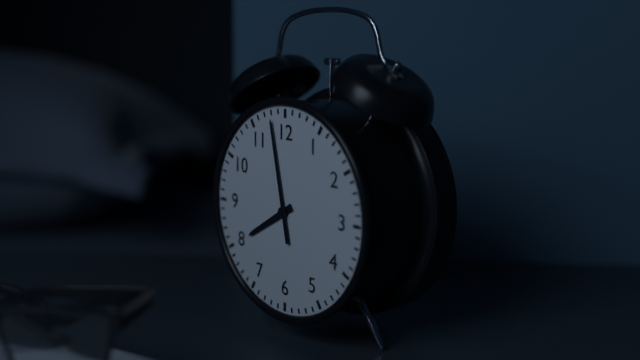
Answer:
h=7 m=58
